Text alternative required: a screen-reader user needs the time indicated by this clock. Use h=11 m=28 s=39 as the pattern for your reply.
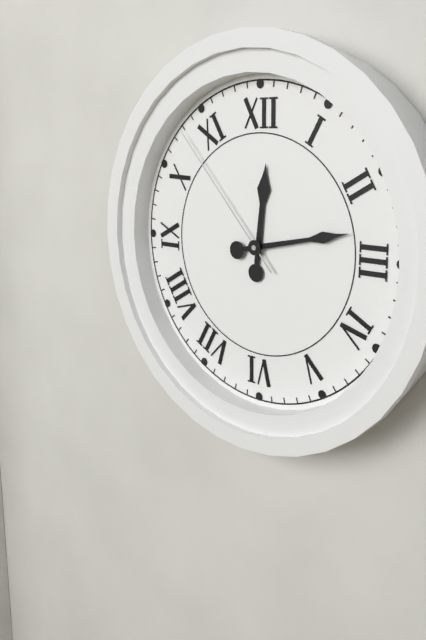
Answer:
h=12 m=13 s=53
